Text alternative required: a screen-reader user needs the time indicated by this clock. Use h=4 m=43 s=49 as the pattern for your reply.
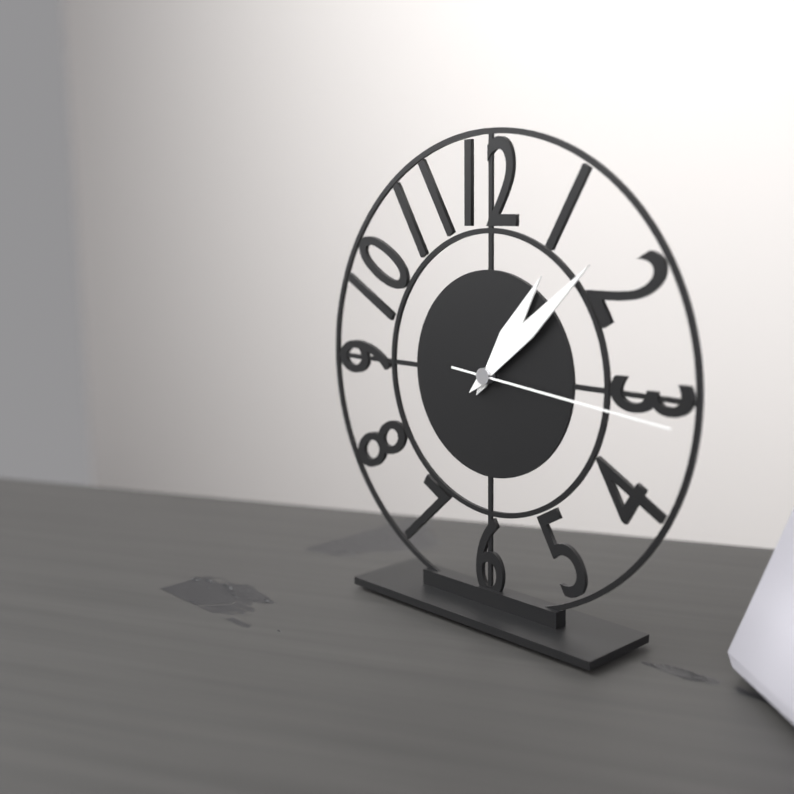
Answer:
h=1 m=8 s=16
